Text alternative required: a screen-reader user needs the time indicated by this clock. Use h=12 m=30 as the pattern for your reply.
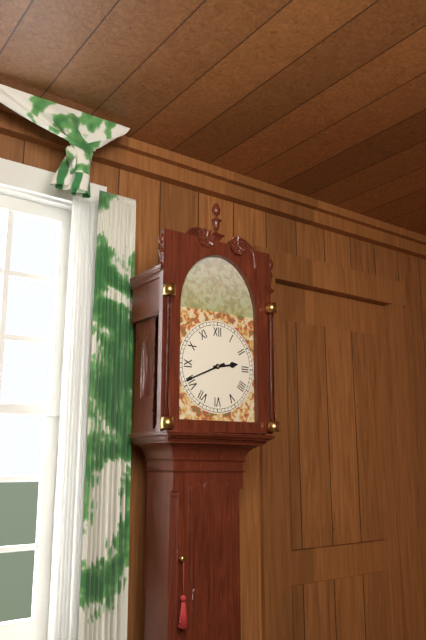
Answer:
h=2 m=41
